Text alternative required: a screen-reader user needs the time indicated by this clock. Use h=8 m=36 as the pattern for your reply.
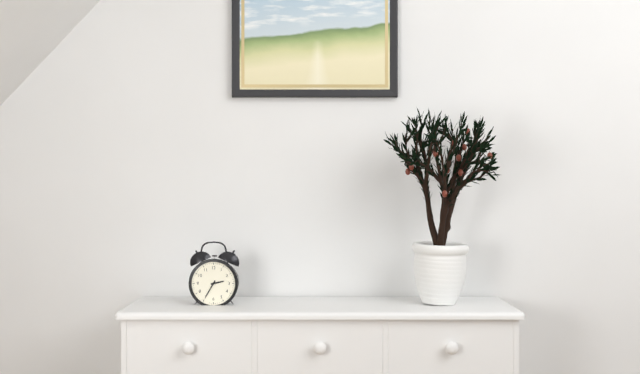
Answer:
h=2 m=35
